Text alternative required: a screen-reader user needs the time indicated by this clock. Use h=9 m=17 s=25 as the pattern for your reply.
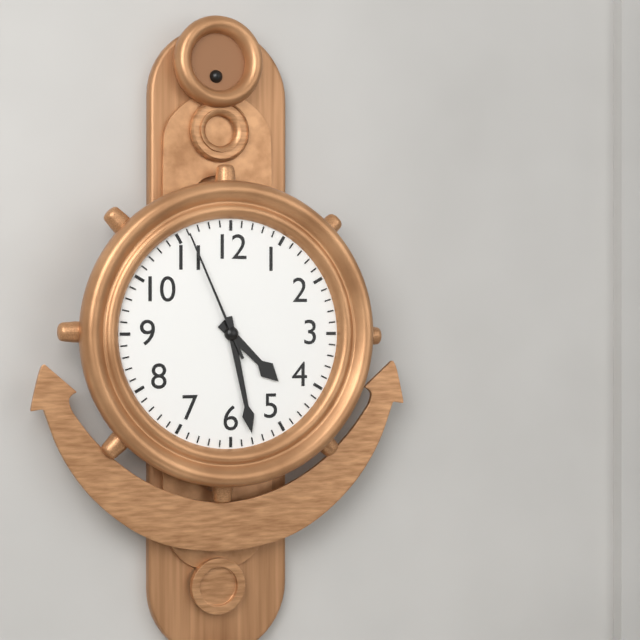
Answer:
h=4 m=28 s=56
